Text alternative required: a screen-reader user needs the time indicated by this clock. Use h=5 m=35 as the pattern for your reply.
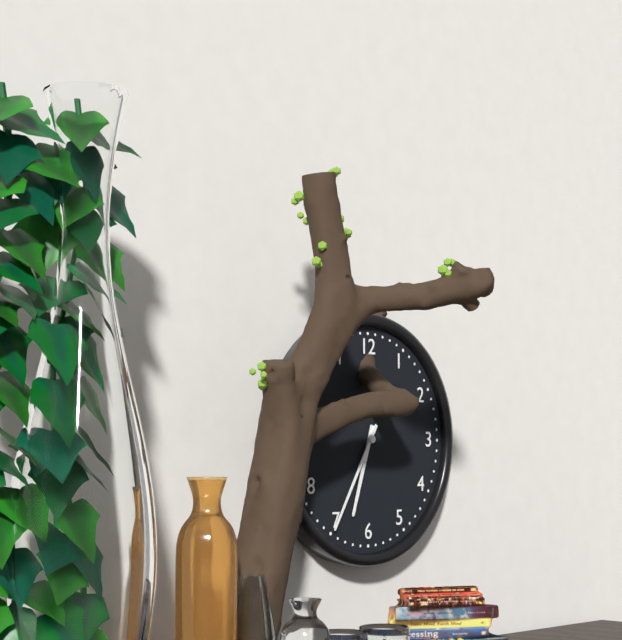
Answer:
h=6 m=35
